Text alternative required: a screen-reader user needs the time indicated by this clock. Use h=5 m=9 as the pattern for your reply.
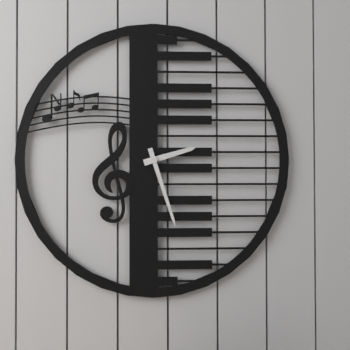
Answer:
h=2 m=27
